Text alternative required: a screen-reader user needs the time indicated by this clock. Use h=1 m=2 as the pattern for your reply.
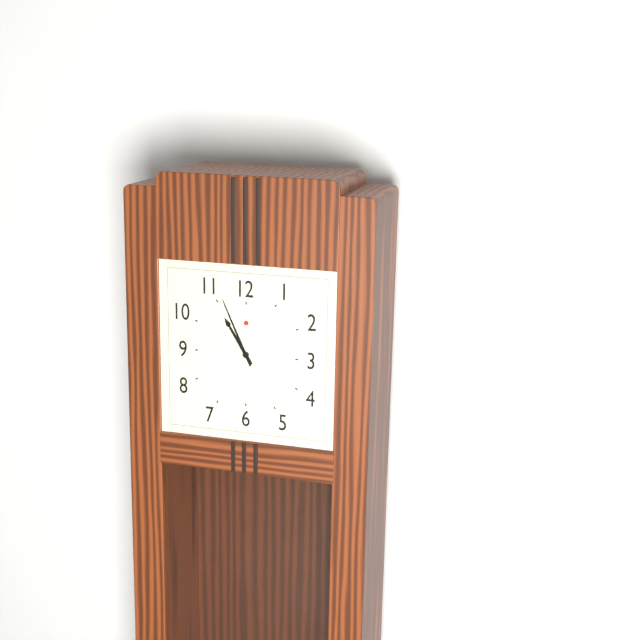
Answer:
h=10 m=56
